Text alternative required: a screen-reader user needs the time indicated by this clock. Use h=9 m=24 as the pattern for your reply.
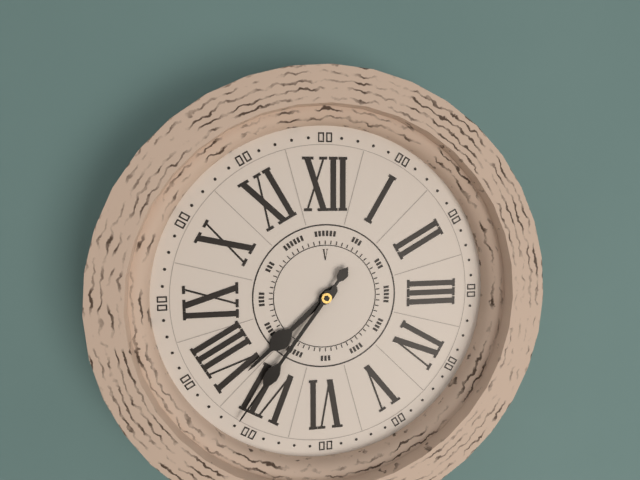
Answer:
h=7 m=36
